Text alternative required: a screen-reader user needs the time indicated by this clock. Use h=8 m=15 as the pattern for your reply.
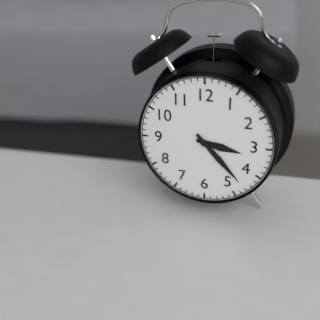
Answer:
h=3 m=23
